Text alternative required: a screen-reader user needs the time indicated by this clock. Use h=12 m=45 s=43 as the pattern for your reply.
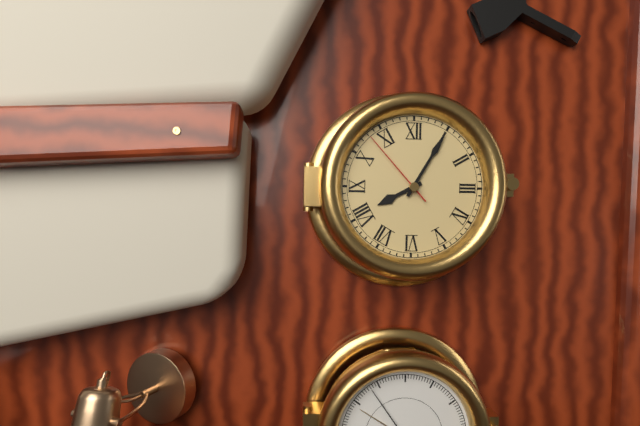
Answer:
h=8 m=5 s=53
